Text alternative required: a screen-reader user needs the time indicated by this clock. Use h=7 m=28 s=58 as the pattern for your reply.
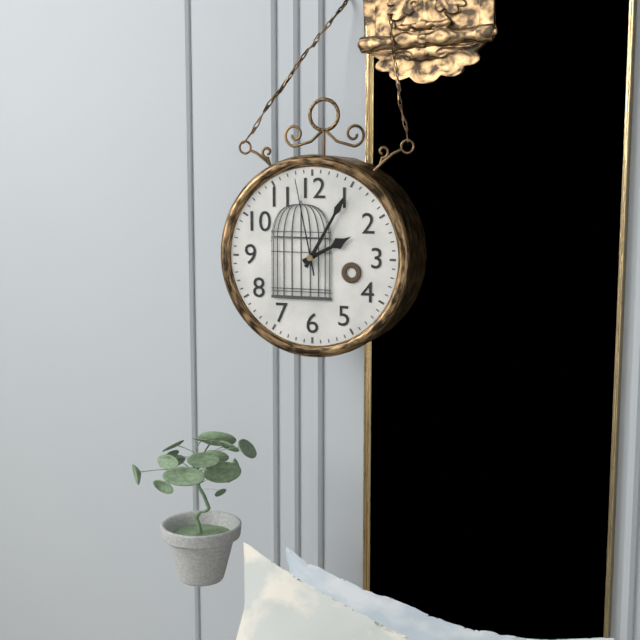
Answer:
h=2 m=5 s=58
